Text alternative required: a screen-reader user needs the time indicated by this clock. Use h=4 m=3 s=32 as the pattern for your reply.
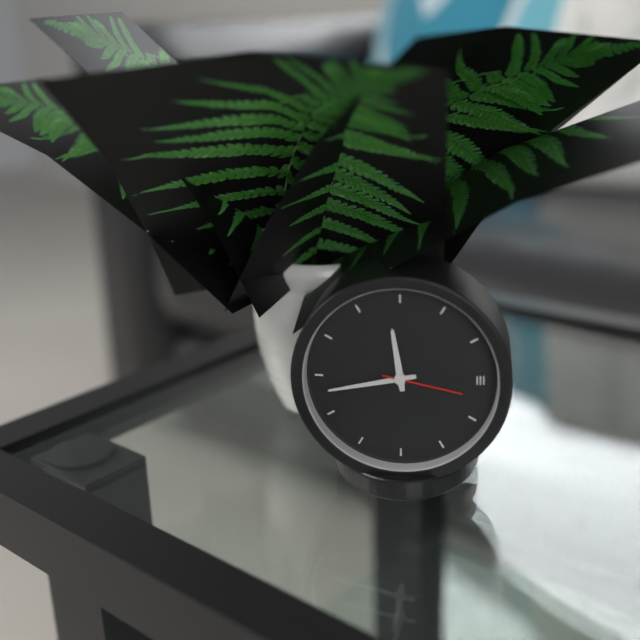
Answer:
h=11 m=43 s=17
